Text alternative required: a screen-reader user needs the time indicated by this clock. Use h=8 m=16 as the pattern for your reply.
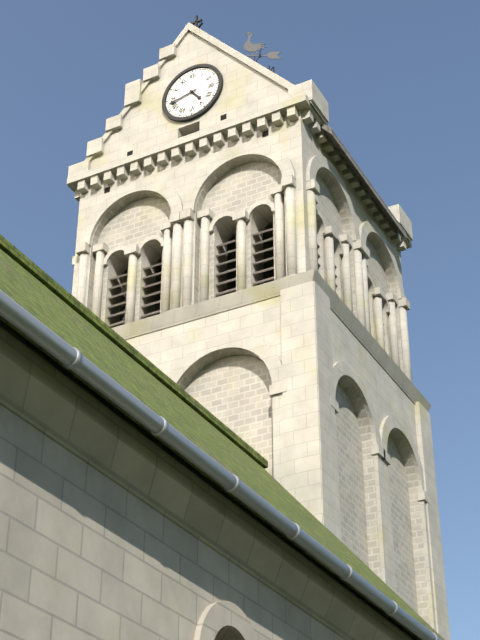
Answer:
h=4 m=43
